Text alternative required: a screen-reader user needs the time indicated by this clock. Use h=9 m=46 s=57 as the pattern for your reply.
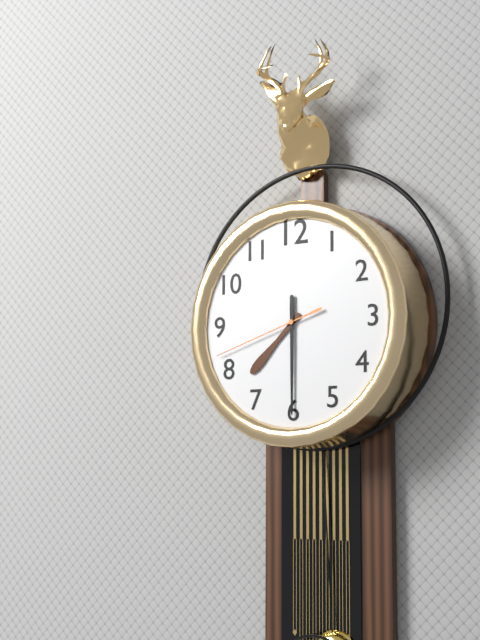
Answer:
h=7 m=30 s=42
